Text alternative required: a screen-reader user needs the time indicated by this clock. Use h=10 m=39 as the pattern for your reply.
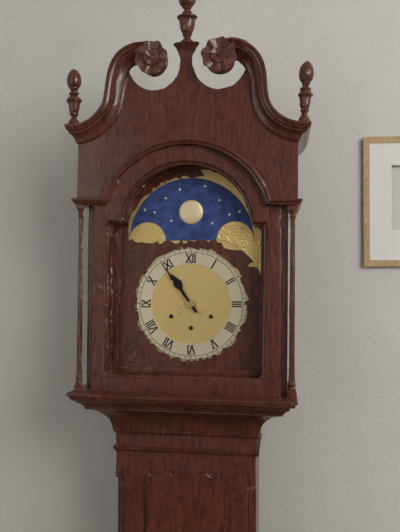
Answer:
h=10 m=54
